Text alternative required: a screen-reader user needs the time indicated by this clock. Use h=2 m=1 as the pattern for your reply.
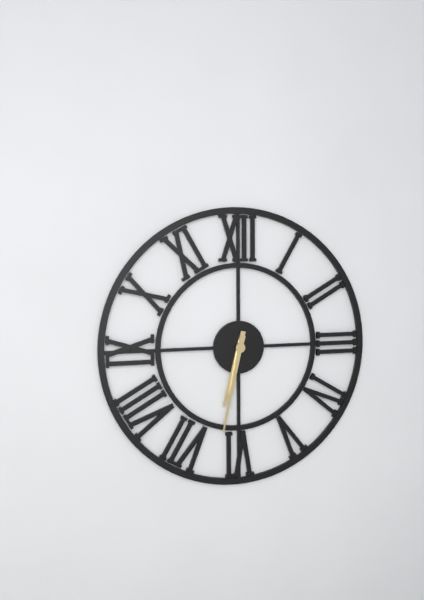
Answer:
h=6 m=32
